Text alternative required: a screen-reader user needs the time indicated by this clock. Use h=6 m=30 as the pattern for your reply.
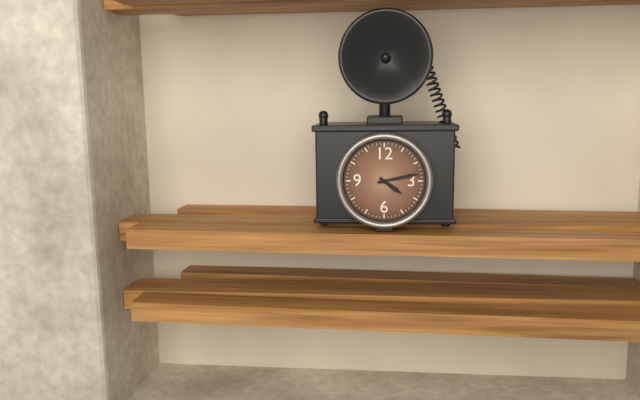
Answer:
h=4 m=13
